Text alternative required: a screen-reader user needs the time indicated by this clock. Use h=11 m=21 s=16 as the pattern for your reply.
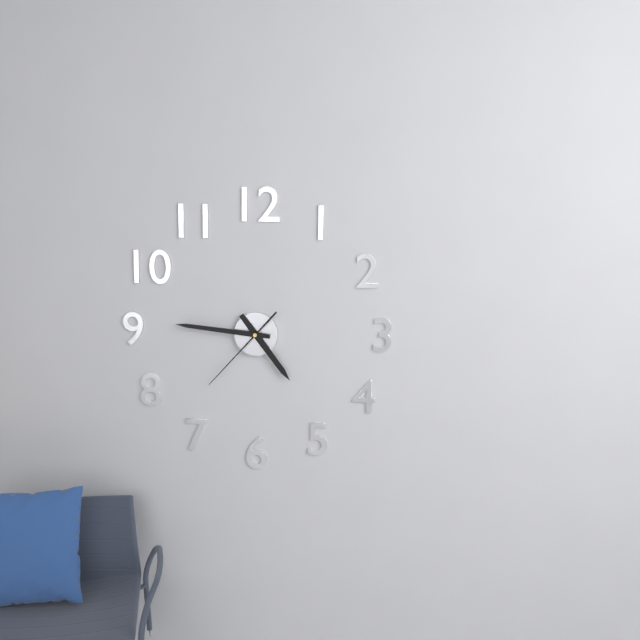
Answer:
h=4 m=46 s=37
